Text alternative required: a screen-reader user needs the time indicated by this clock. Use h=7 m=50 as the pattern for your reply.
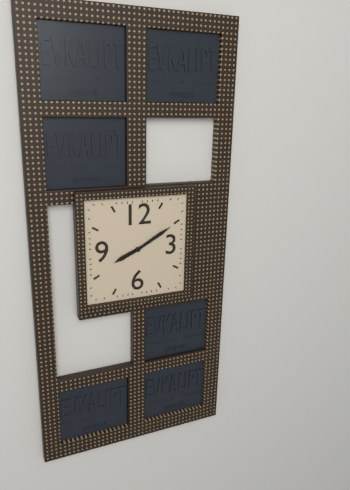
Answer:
h=8 m=10
